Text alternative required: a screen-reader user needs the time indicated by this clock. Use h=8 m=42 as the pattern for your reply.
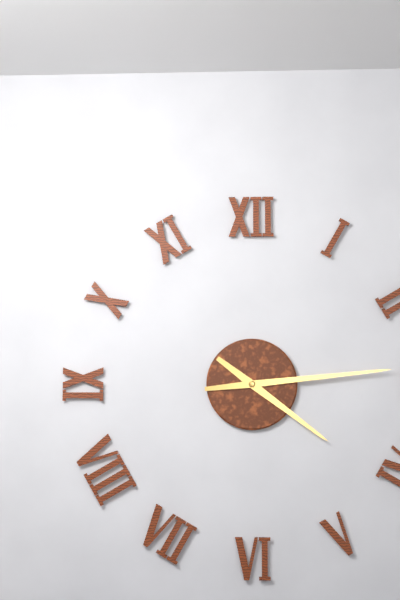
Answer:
h=4 m=14
